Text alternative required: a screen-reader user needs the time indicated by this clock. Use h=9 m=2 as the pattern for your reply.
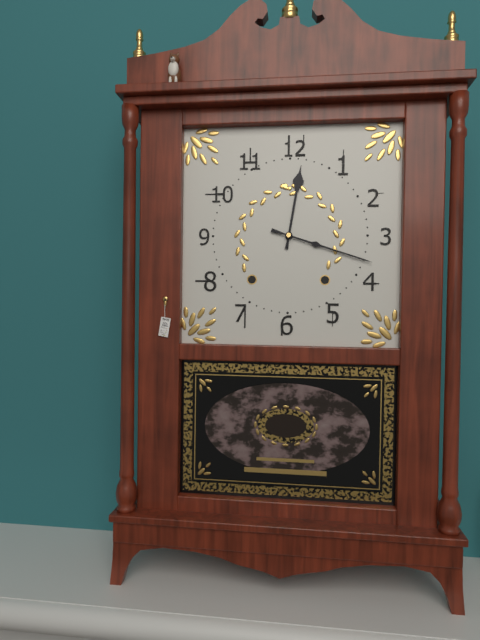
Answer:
h=12 m=18
